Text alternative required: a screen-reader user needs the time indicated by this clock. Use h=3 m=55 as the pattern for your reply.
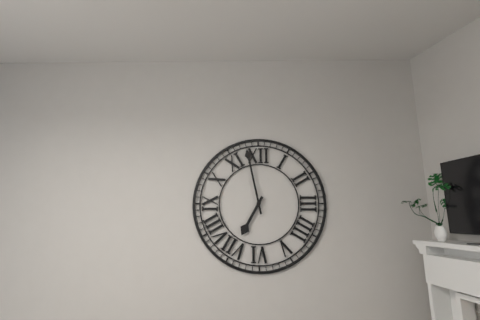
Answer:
h=6 m=58
